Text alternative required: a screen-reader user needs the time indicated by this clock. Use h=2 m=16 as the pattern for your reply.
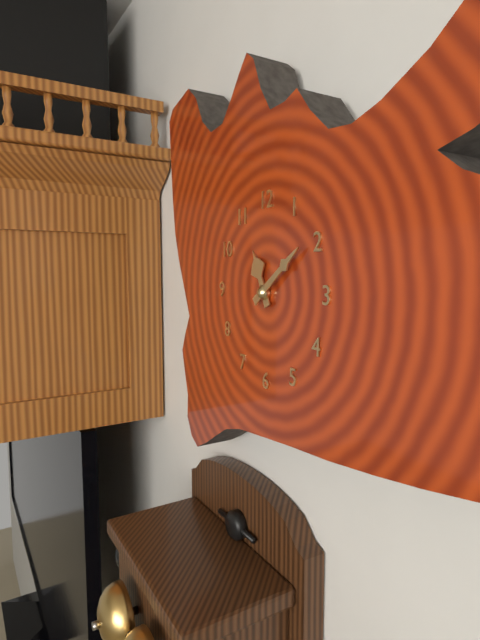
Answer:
h=11 m=9
